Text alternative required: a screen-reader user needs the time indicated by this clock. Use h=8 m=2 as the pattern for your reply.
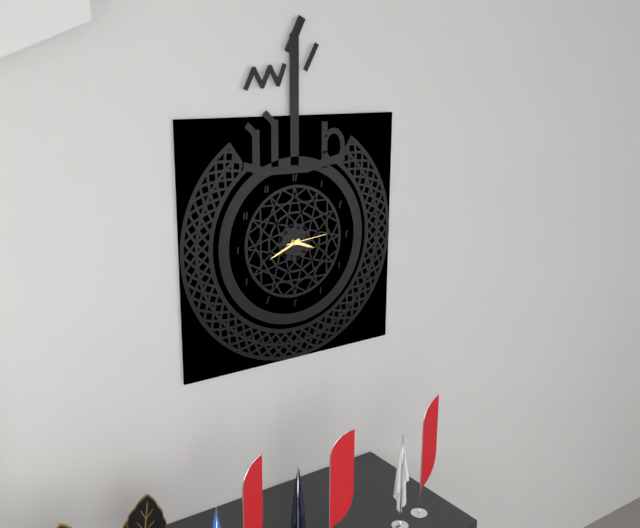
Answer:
h=3 m=41
